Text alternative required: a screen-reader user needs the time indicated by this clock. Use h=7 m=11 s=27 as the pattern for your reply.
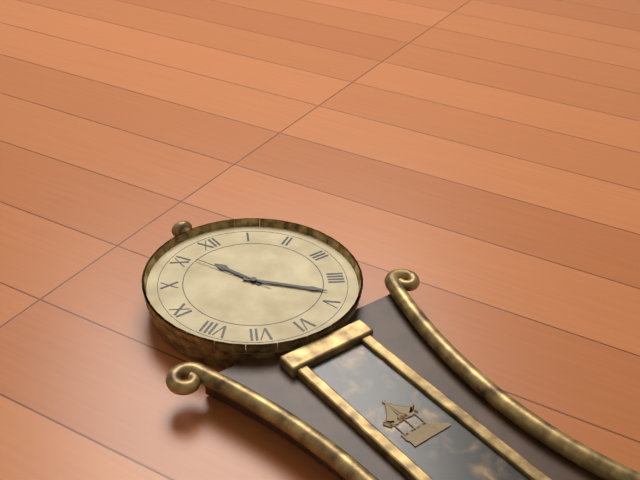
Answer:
h=11 m=23 s=56
